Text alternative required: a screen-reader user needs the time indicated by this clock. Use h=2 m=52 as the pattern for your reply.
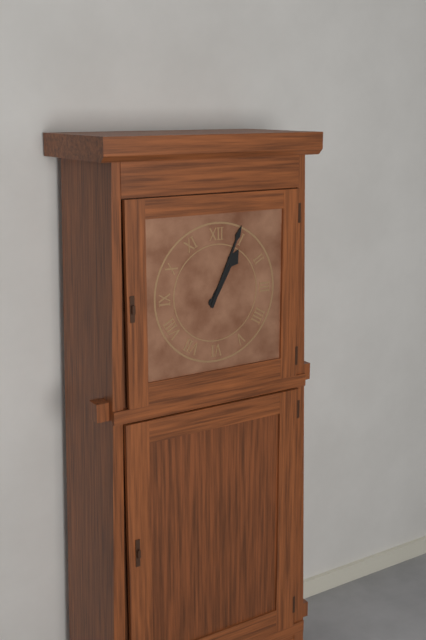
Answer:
h=1 m=4
